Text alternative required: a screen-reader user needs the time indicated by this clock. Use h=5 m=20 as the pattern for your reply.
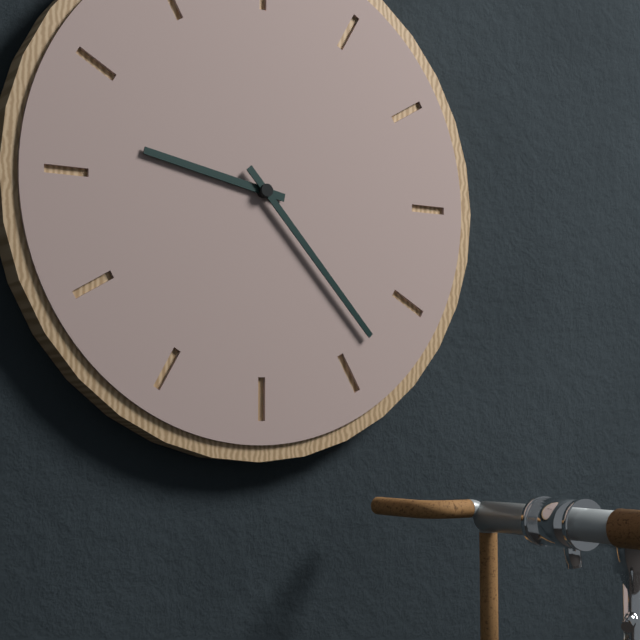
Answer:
h=9 m=23
